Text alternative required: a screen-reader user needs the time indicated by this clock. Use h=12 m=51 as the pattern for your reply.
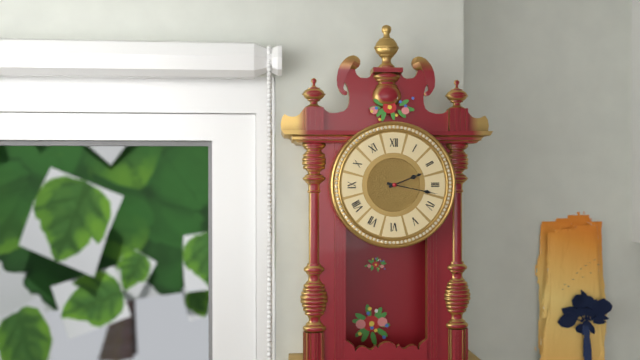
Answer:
h=2 m=17
